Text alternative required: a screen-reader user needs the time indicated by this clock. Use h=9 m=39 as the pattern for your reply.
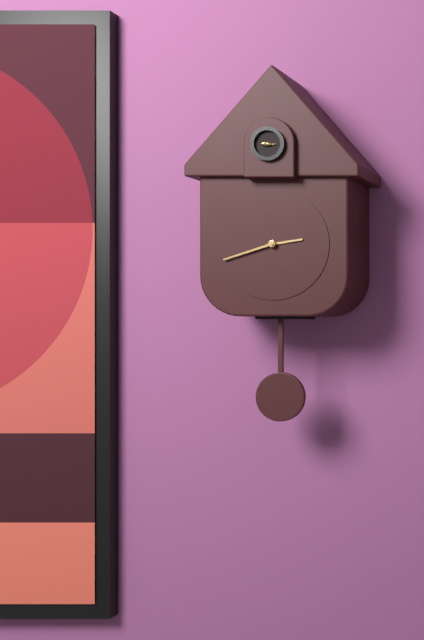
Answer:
h=2 m=42
